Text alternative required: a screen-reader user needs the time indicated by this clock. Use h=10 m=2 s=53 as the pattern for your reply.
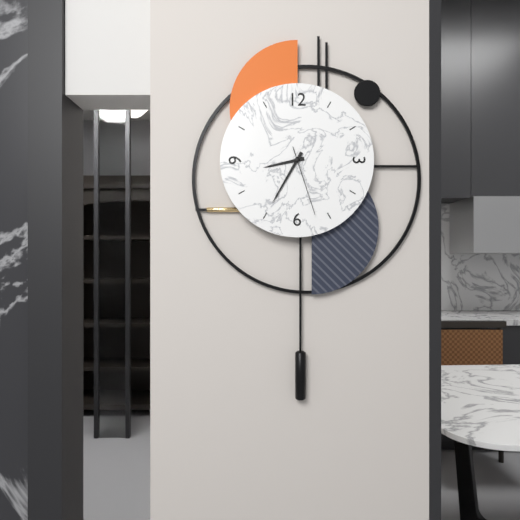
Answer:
h=8 m=35 s=27
